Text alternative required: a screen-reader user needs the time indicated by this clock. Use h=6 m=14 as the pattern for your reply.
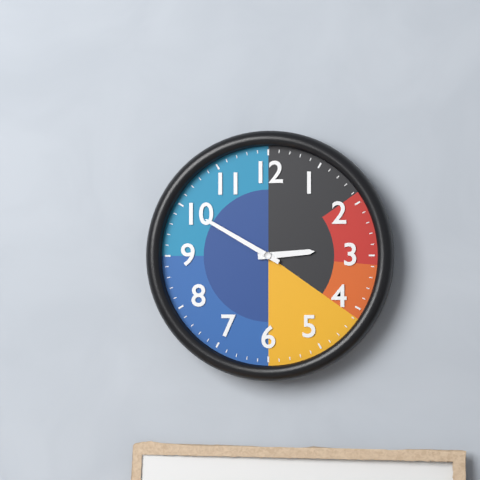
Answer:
h=2 m=50
